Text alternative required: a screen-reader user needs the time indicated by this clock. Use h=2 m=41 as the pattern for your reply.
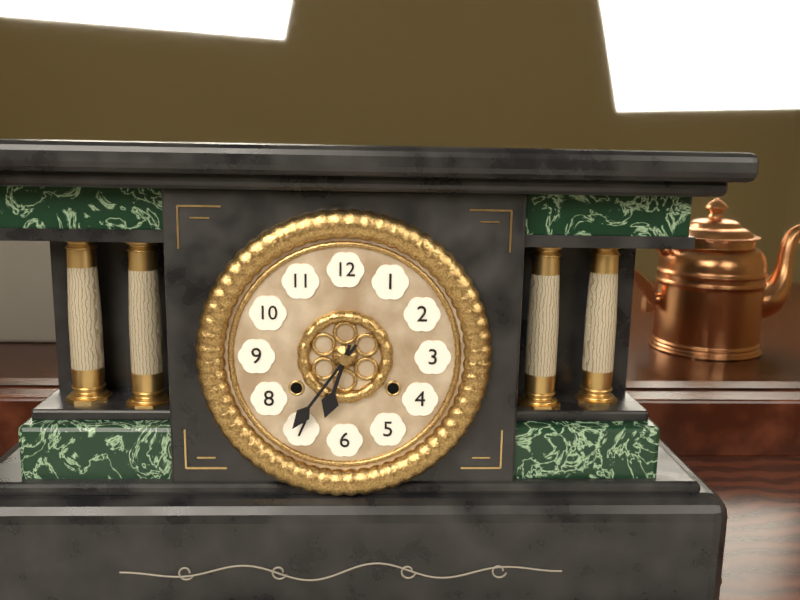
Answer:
h=6 m=36
